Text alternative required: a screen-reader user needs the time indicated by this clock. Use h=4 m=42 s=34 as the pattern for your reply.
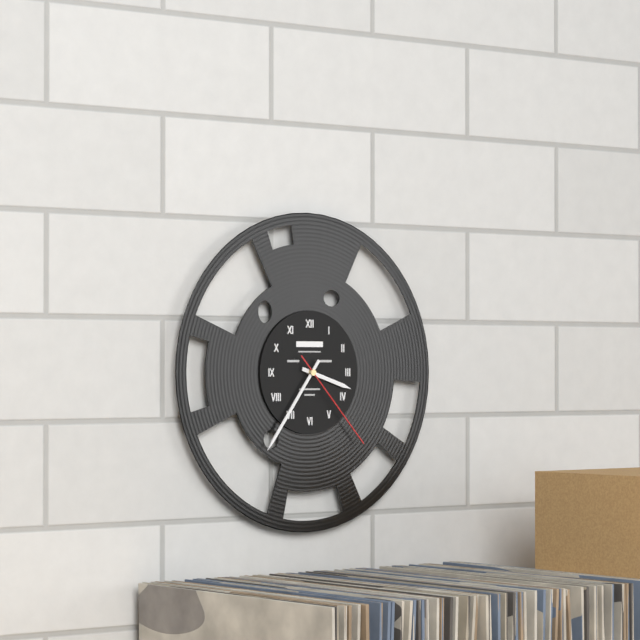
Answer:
h=3 m=36 s=23
